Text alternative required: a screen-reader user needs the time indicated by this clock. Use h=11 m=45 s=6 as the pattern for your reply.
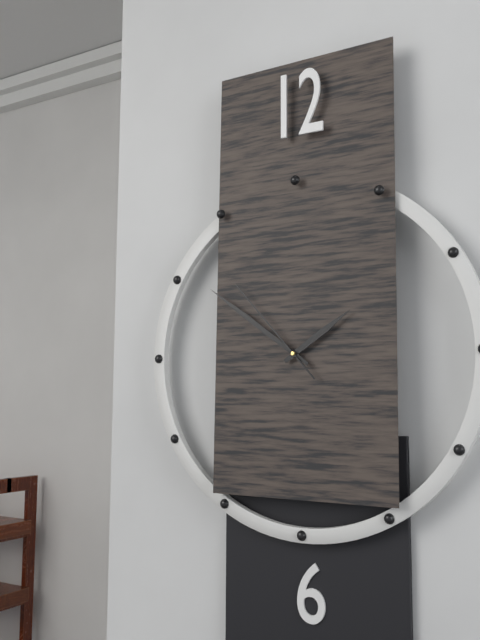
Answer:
h=1 m=51 s=53
